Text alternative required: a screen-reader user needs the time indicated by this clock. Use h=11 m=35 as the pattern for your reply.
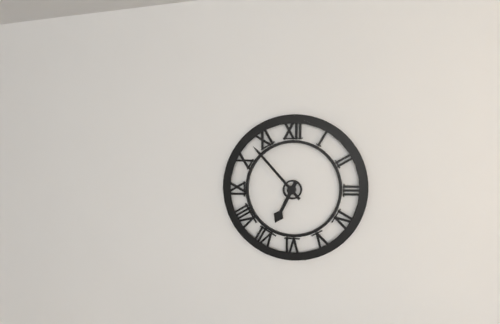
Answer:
h=6 m=53
